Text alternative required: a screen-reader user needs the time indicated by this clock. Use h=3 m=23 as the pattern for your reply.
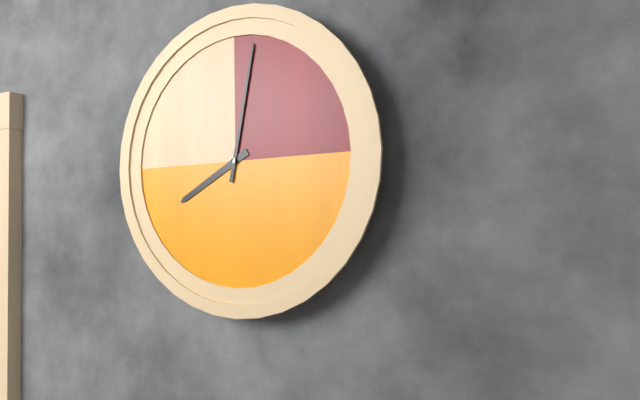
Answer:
h=8 m=2
